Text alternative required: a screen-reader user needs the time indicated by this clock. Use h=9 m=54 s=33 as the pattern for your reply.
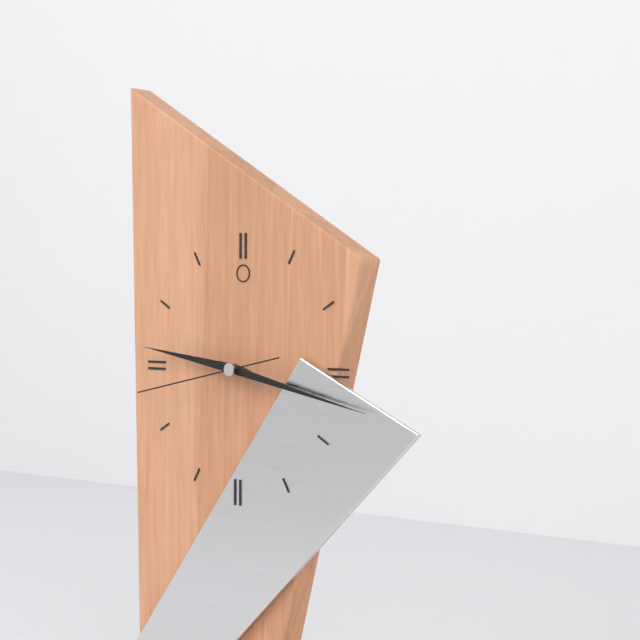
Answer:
h=9 m=17 s=43
